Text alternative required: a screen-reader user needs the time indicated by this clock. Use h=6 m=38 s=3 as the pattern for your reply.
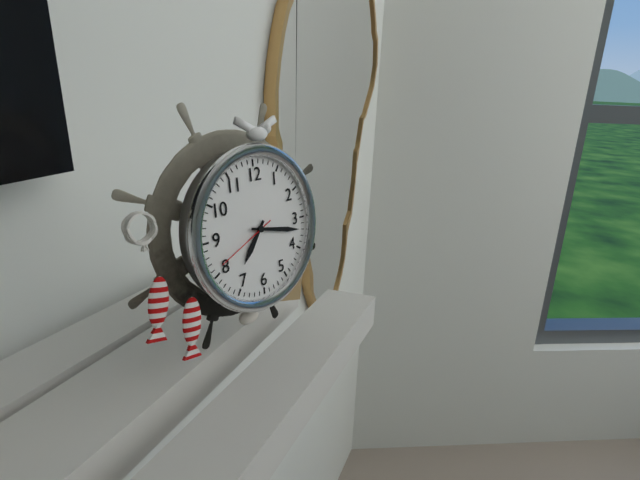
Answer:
h=7 m=17 s=41
